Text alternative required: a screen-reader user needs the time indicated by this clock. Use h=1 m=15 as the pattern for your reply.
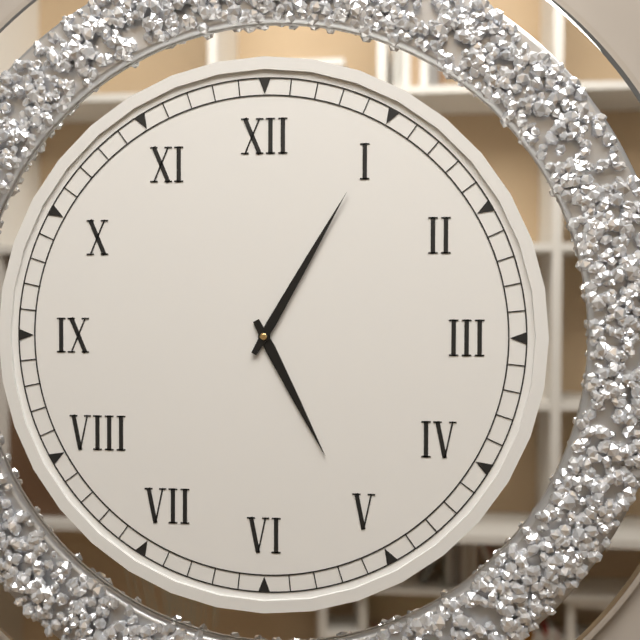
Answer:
h=5 m=5
